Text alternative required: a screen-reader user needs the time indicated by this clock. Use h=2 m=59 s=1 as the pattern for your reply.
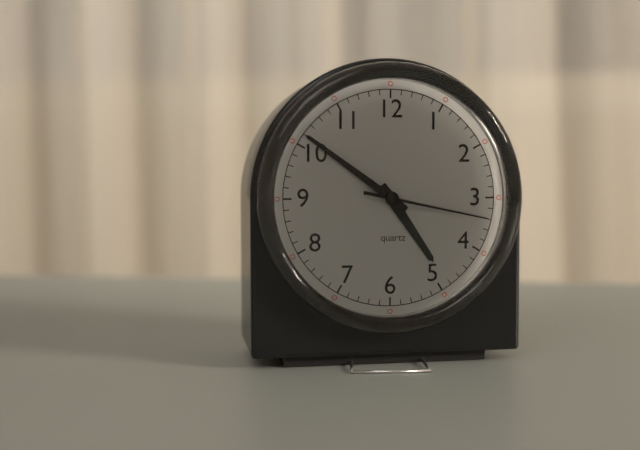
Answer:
h=4 m=51 s=17
